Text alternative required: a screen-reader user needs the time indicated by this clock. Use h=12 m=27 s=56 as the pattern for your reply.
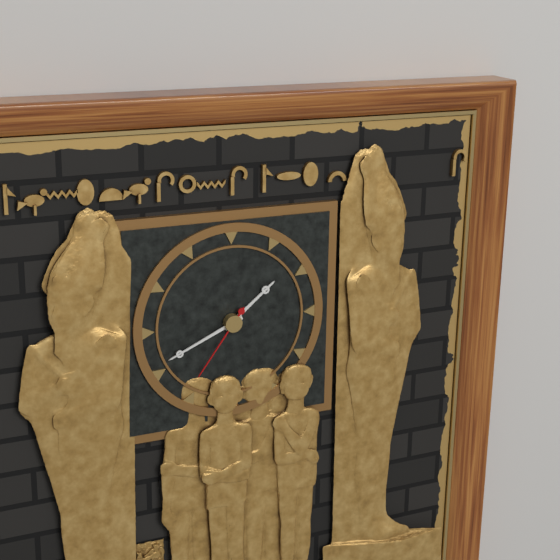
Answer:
h=1 m=41 s=36
